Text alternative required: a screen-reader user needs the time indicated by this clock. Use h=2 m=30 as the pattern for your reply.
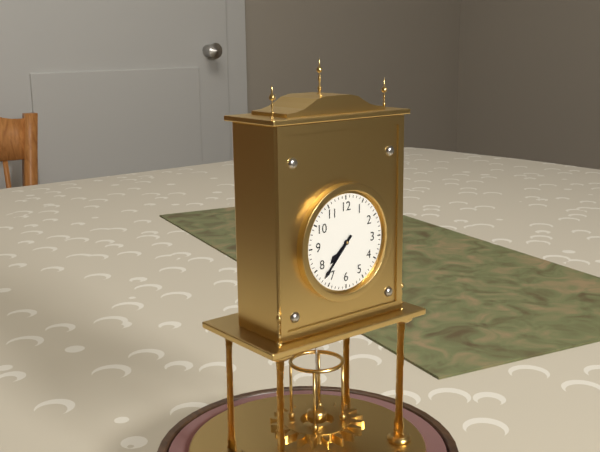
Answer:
h=7 m=37
